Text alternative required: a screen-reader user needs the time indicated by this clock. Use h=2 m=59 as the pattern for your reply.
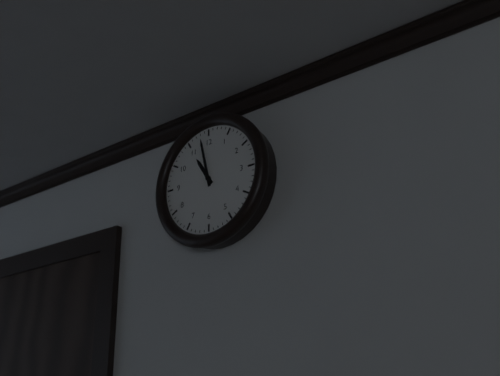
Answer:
h=10 m=58
